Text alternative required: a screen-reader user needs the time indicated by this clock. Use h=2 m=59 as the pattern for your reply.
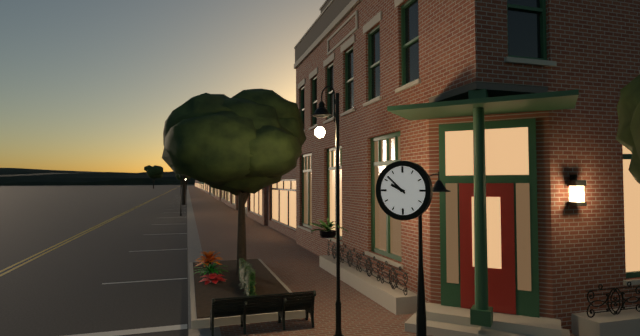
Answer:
h=9 m=52
